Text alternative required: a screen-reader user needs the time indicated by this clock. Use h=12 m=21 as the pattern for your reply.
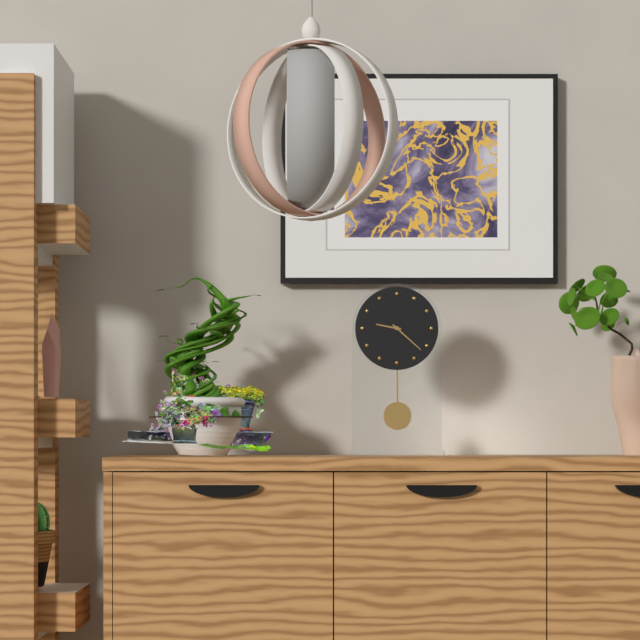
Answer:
h=9 m=22
